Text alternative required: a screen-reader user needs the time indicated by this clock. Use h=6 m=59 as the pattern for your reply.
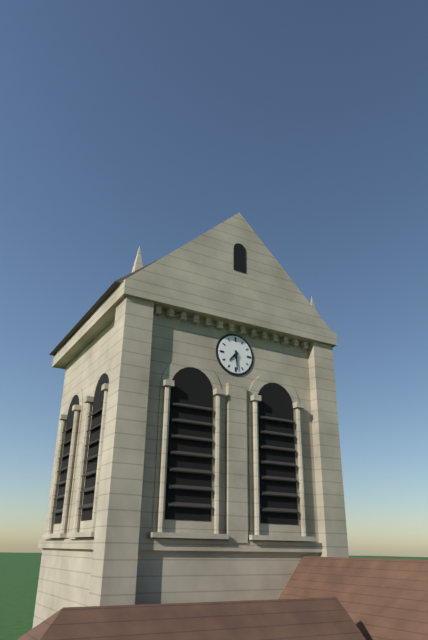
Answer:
h=7 m=29
